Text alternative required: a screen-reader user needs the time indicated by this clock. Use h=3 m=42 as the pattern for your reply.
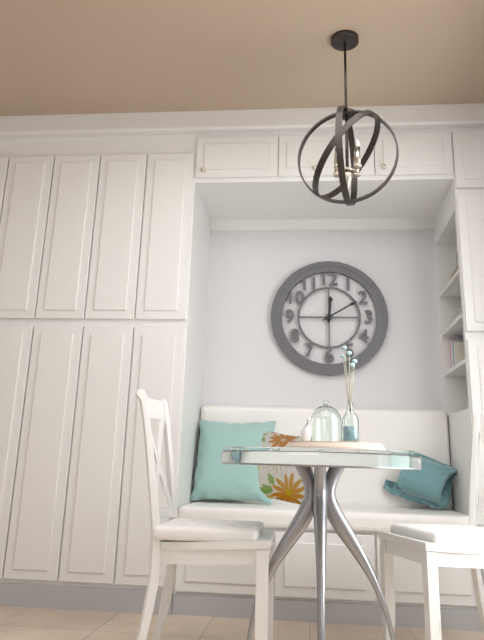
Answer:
h=12 m=10
